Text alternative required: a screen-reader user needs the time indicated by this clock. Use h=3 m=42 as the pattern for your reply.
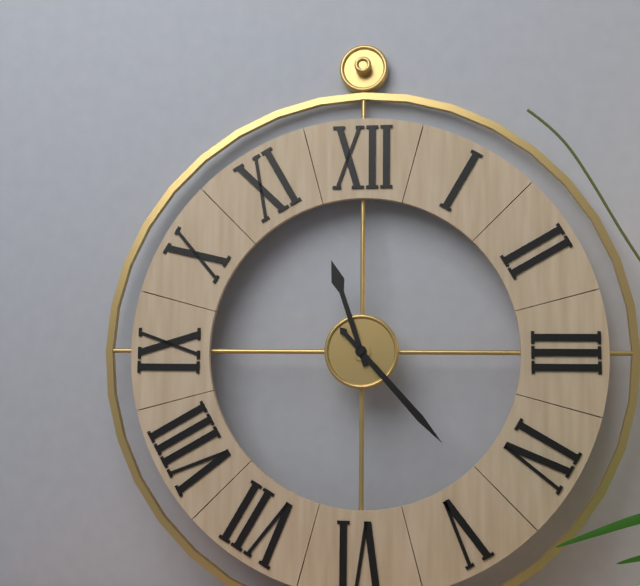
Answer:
h=11 m=23
